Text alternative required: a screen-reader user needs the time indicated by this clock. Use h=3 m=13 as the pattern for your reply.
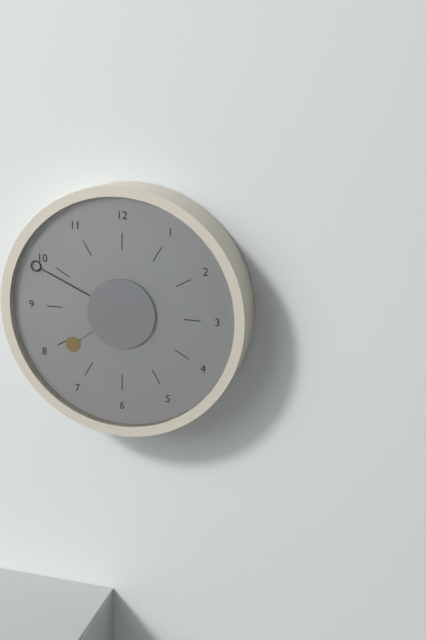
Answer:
h=7 m=49
